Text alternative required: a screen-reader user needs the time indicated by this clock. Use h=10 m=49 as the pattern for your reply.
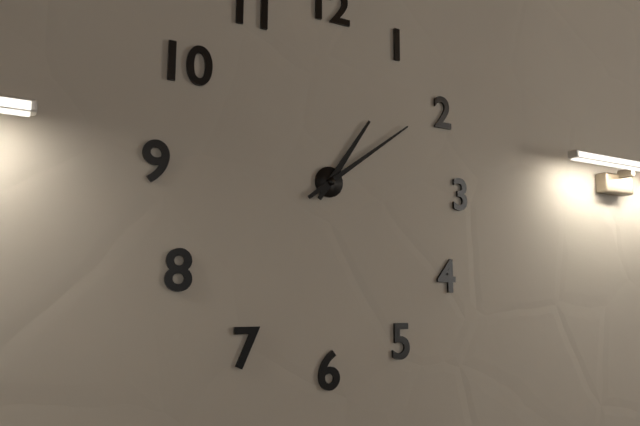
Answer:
h=1 m=9
